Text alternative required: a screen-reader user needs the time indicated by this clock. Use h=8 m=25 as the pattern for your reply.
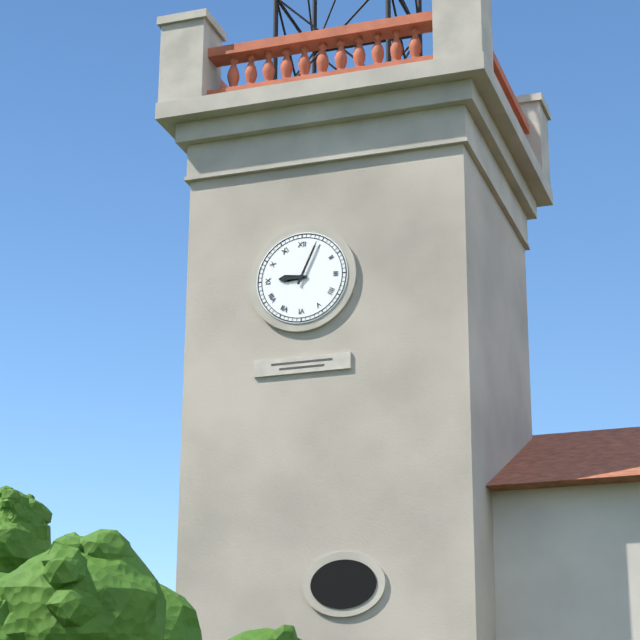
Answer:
h=9 m=4
